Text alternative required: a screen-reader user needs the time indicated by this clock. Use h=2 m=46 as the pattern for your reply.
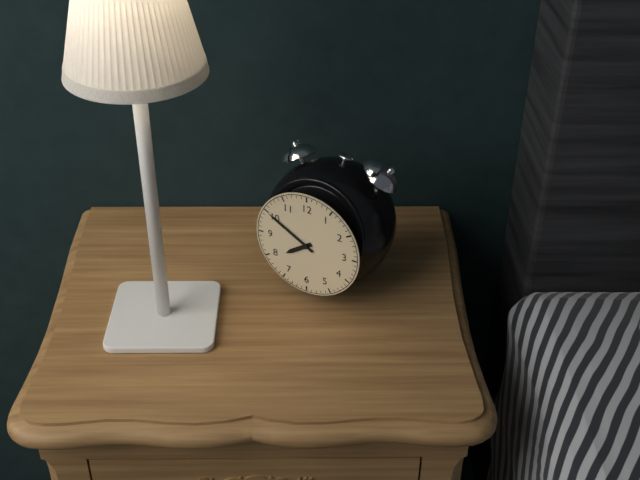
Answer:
h=7 m=50
